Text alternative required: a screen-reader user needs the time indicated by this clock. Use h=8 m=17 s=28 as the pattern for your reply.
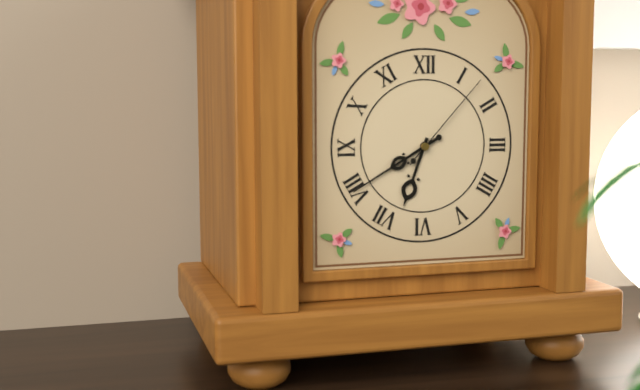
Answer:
h=6 m=40 s=7
